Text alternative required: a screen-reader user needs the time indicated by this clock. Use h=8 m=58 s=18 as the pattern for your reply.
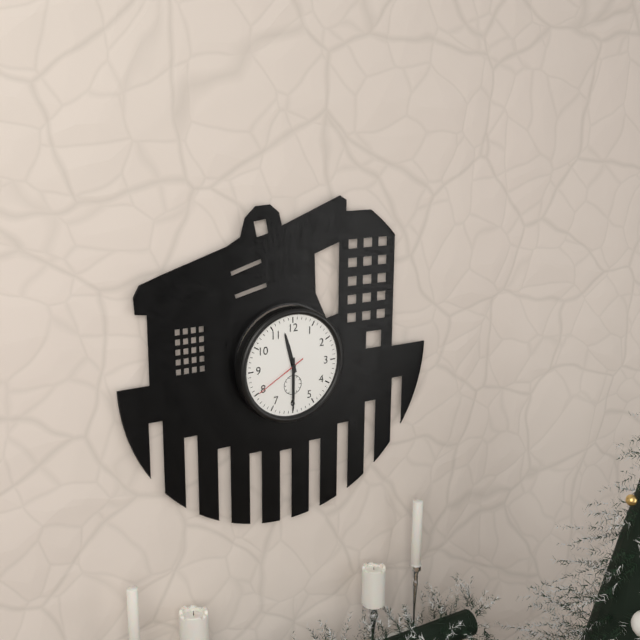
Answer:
h=11 m=30 s=40
